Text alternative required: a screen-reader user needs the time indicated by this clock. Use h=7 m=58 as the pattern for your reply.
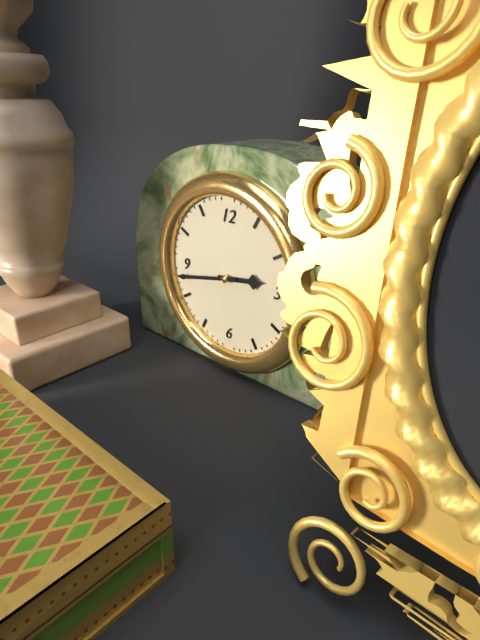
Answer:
h=2 m=43
